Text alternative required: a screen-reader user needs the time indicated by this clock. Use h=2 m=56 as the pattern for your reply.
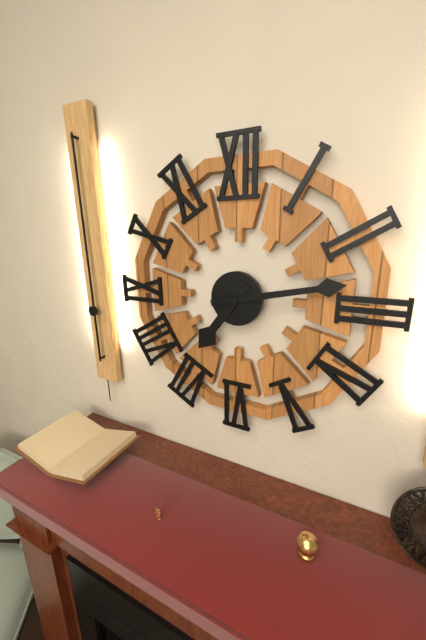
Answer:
h=7 m=13
